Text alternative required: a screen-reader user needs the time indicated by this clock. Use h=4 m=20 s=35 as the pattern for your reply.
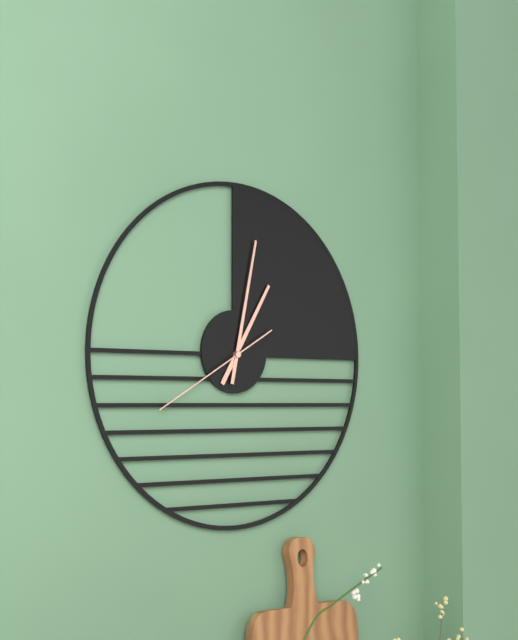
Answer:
h=1 m=2 s=40
